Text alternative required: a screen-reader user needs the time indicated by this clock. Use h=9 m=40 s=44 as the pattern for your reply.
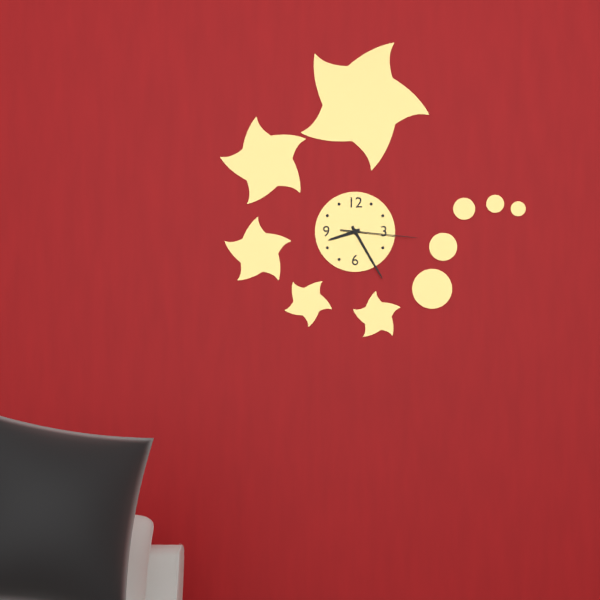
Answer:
h=8 m=25 s=16
